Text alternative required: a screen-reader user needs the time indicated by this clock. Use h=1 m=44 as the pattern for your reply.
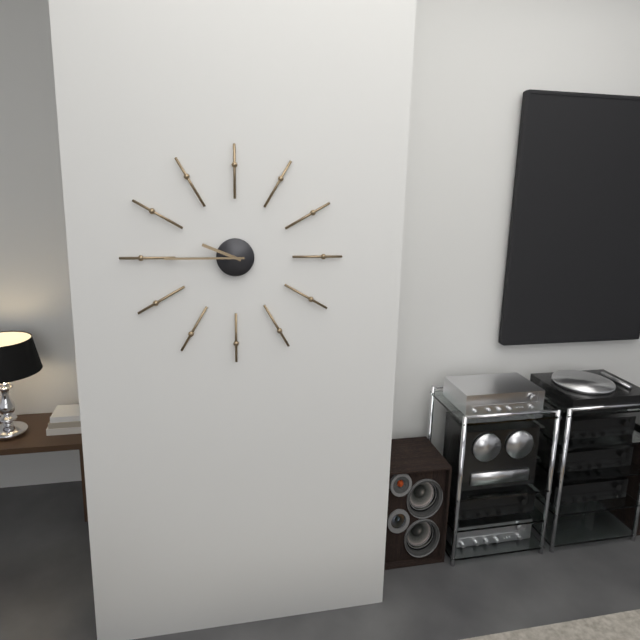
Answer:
h=9 m=45
